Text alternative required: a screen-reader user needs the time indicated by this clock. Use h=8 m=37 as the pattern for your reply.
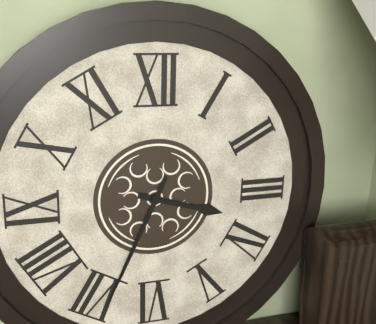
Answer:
h=3 m=34
